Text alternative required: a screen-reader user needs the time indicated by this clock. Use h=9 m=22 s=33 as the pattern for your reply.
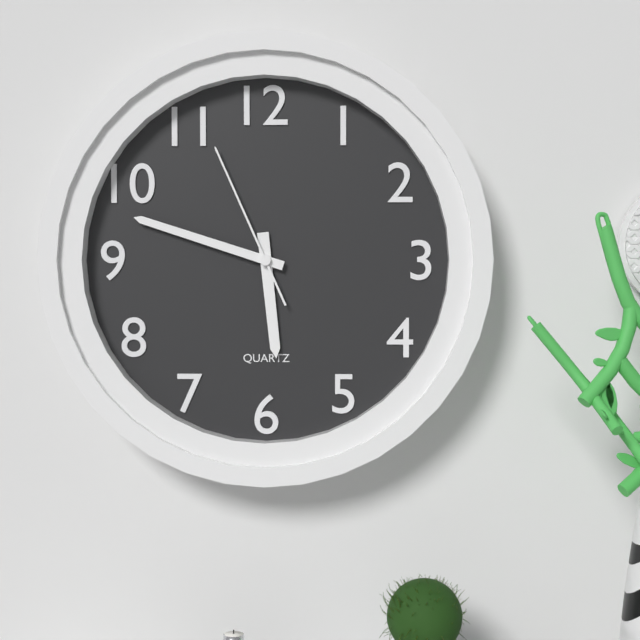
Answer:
h=5 m=48 s=56
